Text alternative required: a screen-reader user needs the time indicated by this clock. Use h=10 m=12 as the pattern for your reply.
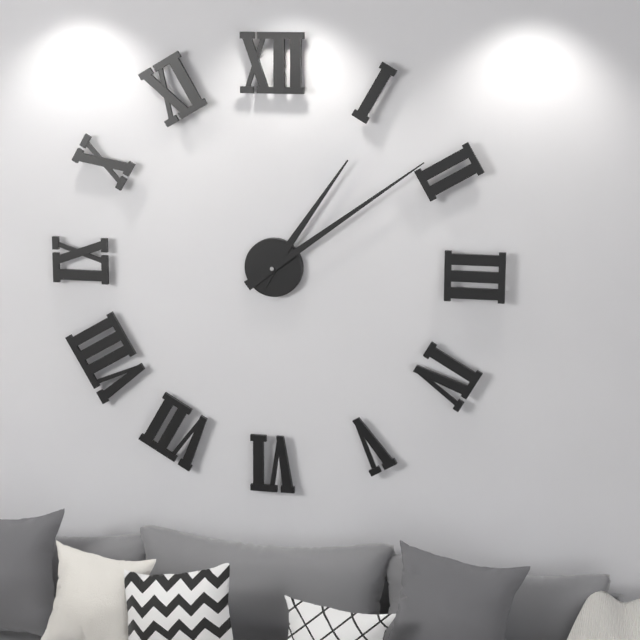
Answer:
h=1 m=9
